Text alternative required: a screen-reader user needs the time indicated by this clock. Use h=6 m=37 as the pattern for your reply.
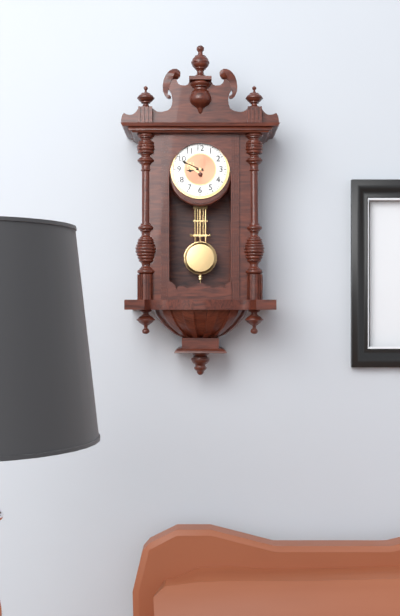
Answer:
h=8 m=49
